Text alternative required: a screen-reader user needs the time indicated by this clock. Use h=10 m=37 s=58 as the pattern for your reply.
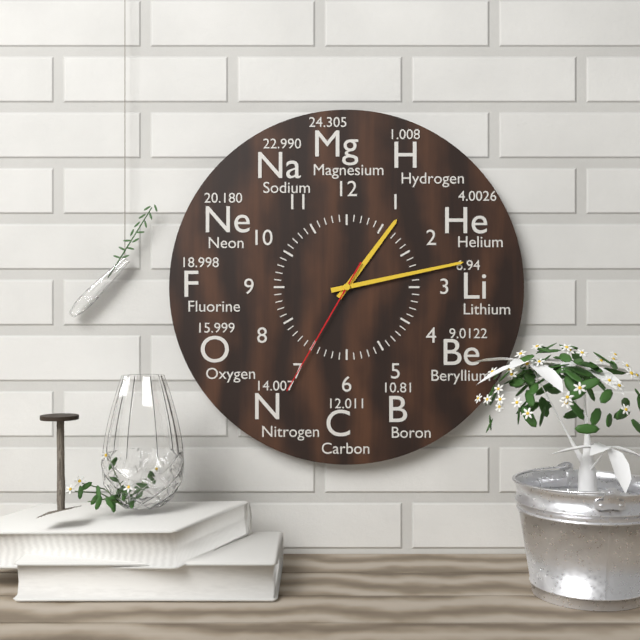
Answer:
h=1 m=13 s=35
